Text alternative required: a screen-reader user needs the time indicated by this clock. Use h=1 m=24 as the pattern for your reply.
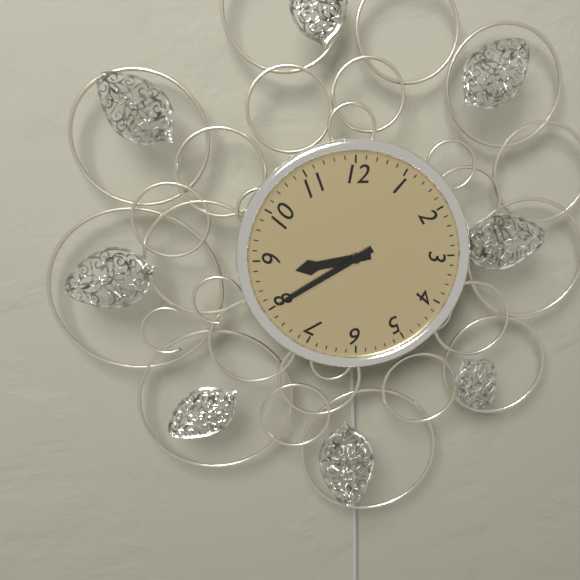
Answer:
h=8 m=40
